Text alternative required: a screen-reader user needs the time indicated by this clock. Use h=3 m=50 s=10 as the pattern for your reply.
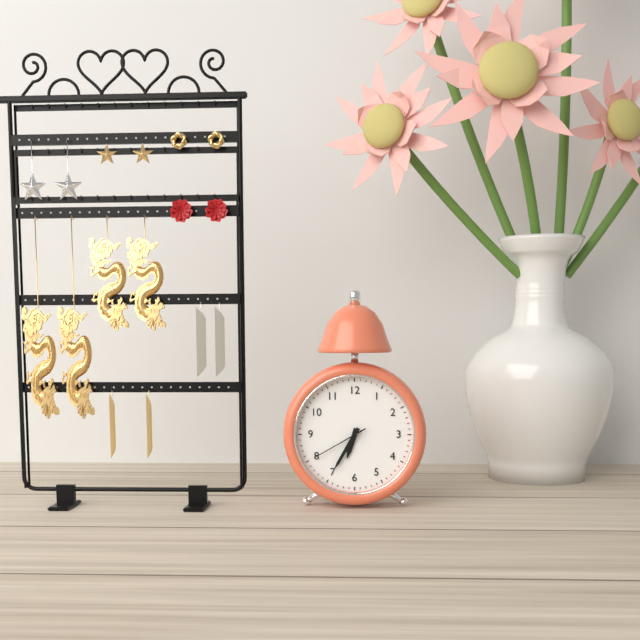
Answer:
h=6 m=35 s=40
